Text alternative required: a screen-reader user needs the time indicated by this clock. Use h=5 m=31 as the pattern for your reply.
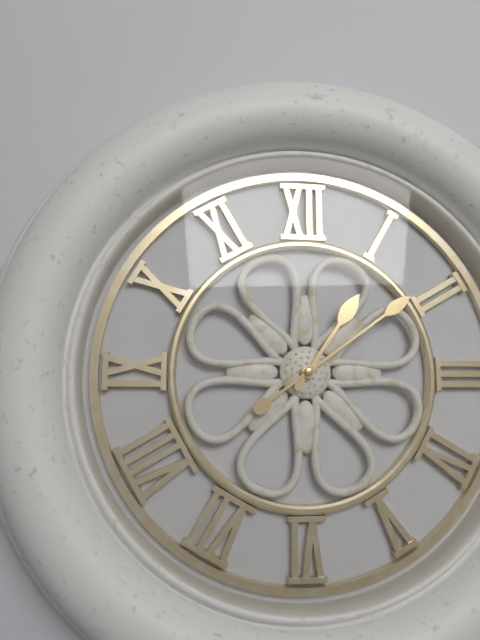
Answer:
h=1 m=9
